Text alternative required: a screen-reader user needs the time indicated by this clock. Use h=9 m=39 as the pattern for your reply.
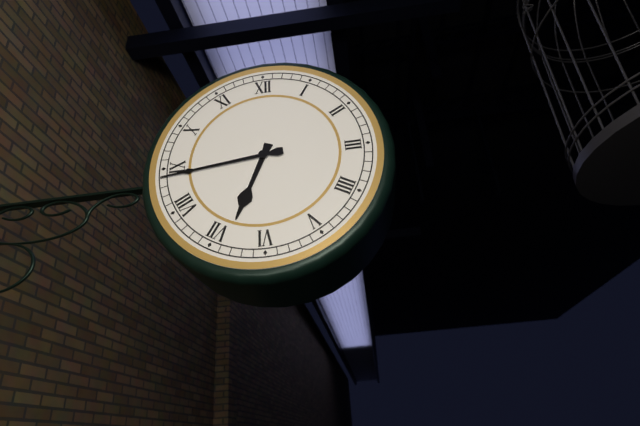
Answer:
h=6 m=44
